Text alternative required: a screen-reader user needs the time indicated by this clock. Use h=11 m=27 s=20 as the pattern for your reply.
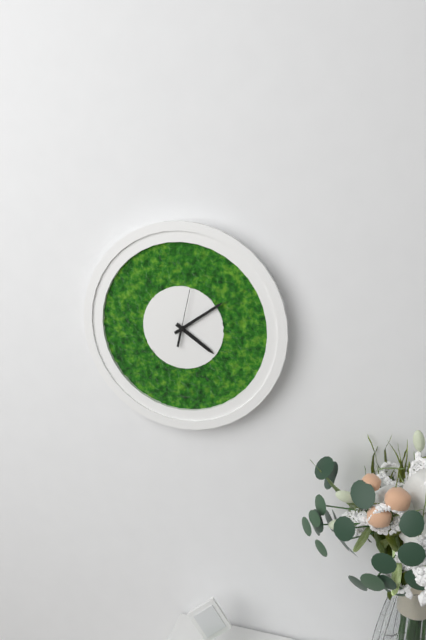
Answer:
h=4 m=9 s=2
